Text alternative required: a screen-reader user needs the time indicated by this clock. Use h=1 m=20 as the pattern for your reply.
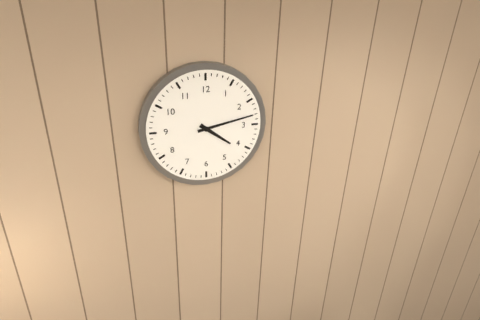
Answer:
h=4 m=13
